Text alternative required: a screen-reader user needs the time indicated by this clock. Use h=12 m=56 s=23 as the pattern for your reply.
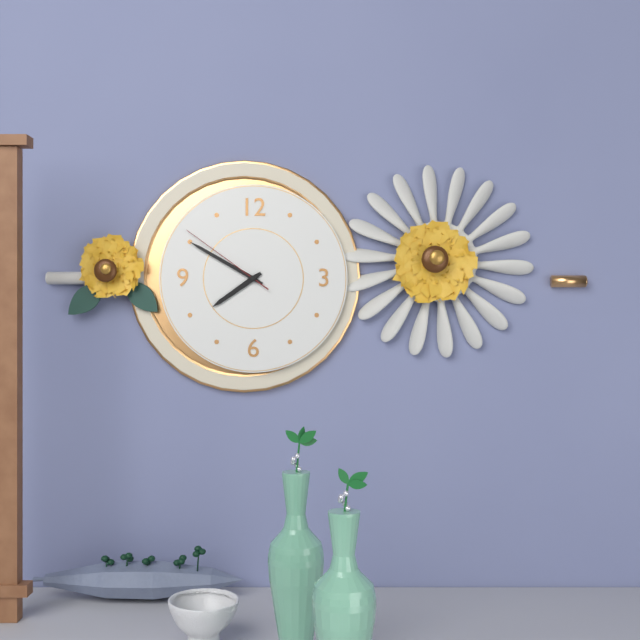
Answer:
h=7 m=50 s=51
